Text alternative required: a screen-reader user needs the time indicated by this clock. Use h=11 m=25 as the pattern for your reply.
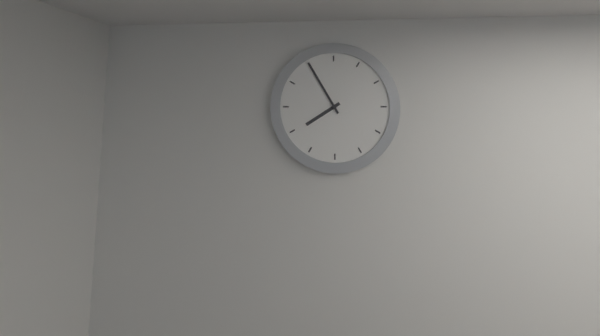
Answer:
h=7 m=55
